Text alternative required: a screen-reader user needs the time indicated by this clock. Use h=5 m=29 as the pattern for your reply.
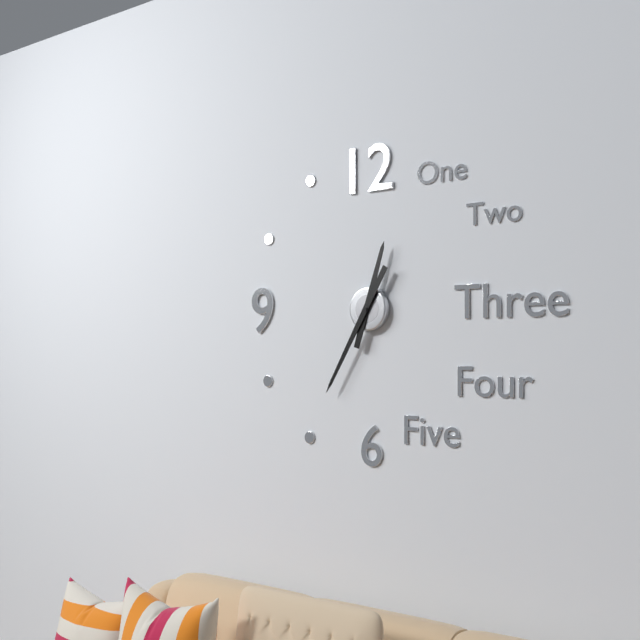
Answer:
h=12 m=35
